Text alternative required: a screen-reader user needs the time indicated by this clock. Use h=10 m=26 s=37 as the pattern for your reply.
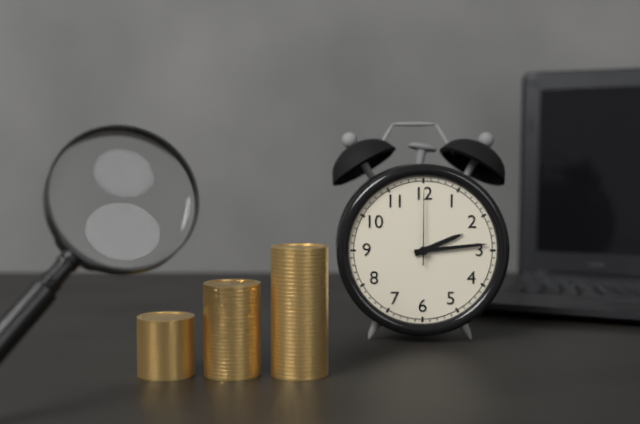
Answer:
h=2 m=14 s=0
